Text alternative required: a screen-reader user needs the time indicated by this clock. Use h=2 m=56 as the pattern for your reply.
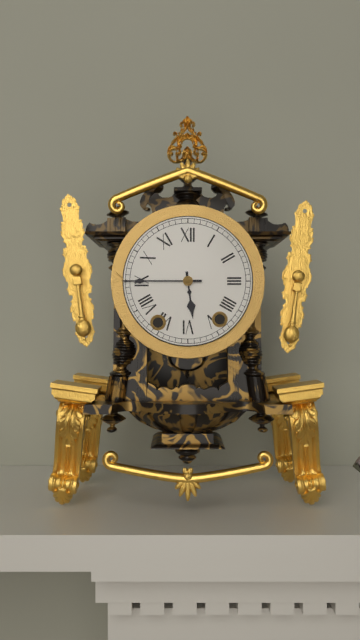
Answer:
h=5 m=45
